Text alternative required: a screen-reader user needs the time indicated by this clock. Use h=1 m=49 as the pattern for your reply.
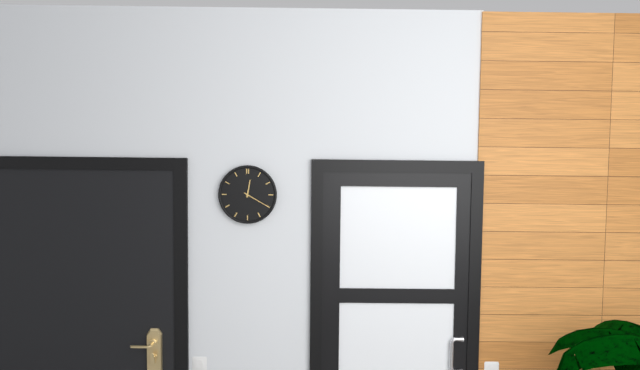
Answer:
h=12 m=20
